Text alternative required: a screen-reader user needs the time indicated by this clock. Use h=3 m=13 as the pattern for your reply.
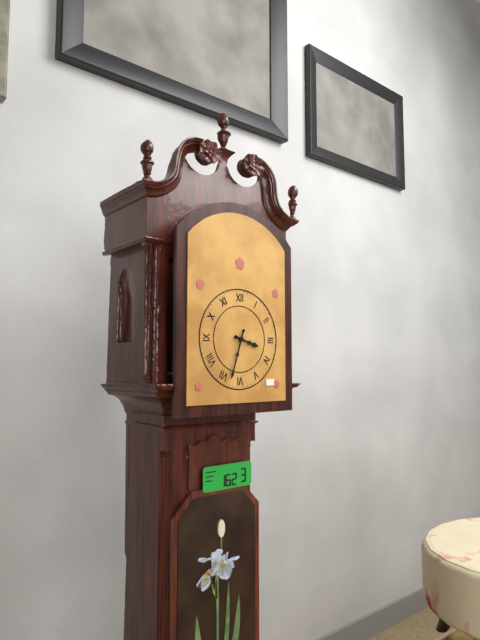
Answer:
h=3 m=33
